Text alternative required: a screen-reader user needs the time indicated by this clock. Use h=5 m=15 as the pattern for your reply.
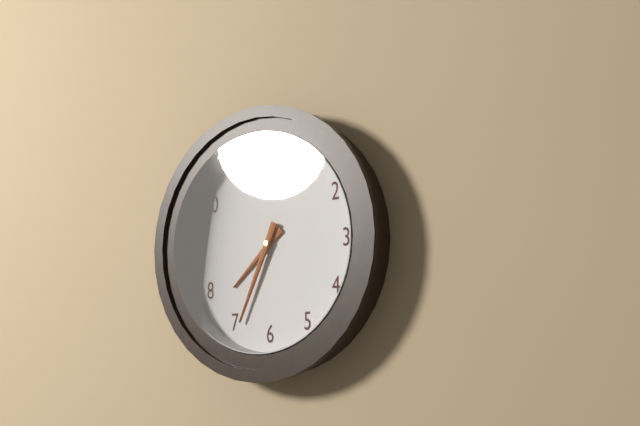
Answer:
h=7 m=34
